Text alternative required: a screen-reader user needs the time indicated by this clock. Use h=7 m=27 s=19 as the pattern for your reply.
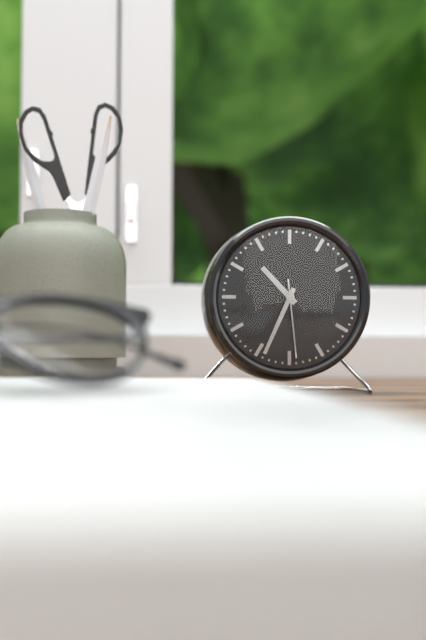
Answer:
h=10 m=34 s=29
